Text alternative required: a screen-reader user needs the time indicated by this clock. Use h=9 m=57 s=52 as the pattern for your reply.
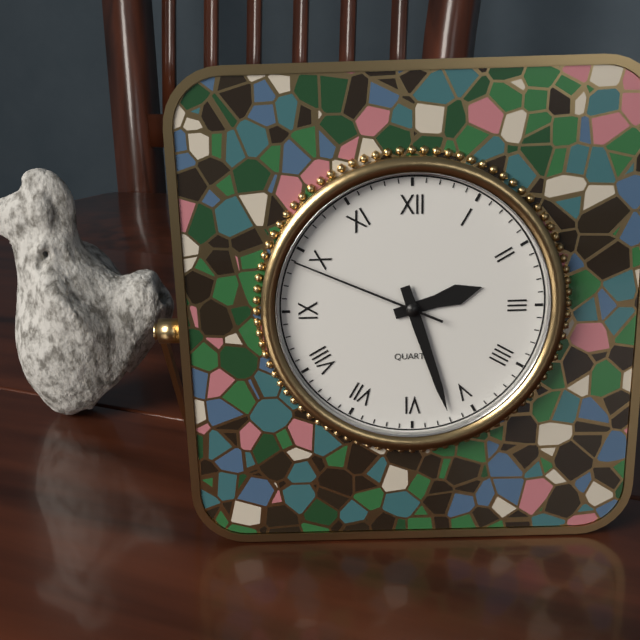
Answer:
h=2 m=27 s=49
